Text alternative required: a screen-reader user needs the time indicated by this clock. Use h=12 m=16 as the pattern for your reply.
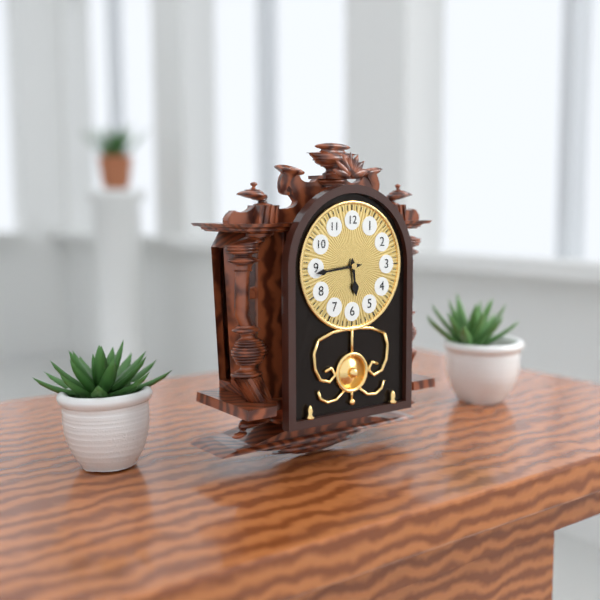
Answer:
h=5 m=44
